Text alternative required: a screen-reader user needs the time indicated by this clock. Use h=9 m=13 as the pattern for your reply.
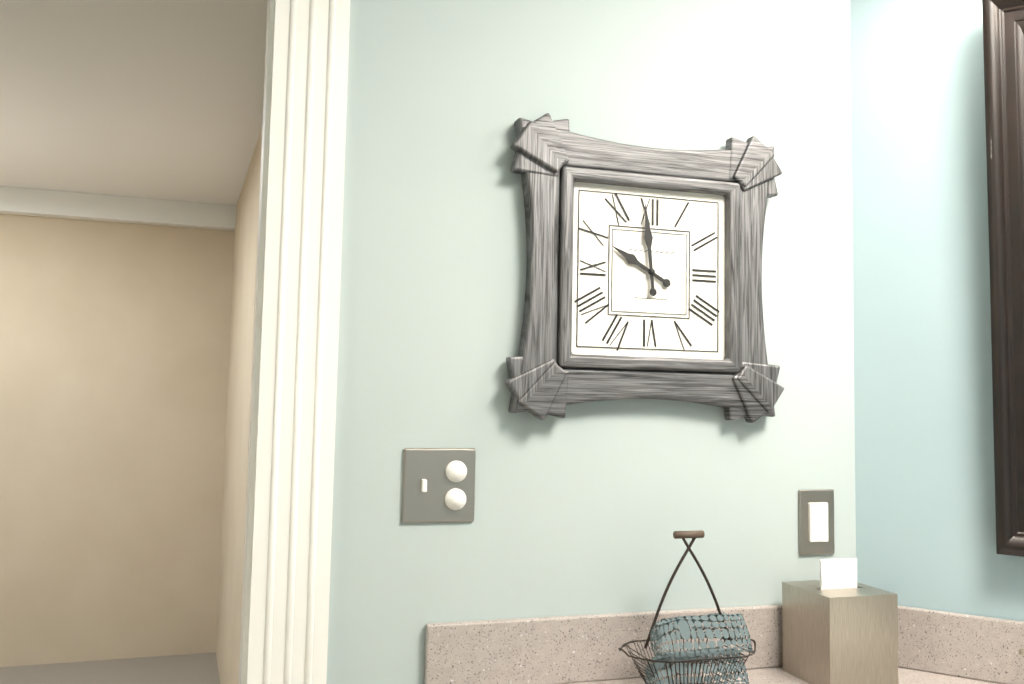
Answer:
h=9 m=59
